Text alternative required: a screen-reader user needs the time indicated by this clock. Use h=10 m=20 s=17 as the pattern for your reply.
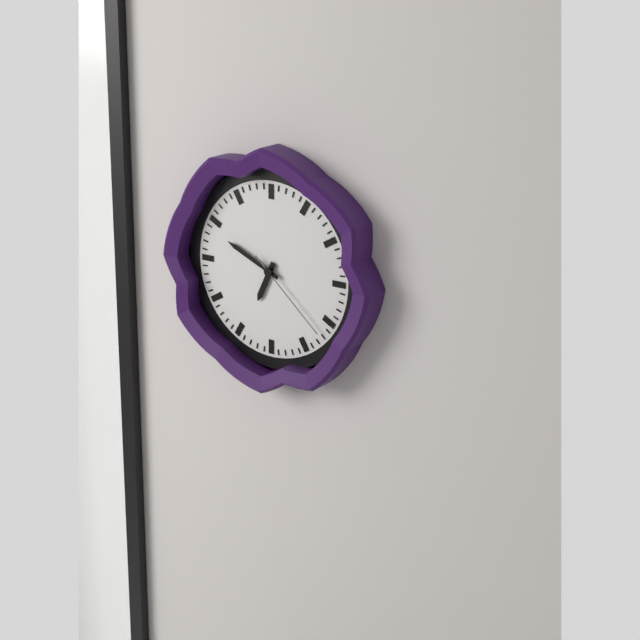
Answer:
h=6 m=49 s=22
